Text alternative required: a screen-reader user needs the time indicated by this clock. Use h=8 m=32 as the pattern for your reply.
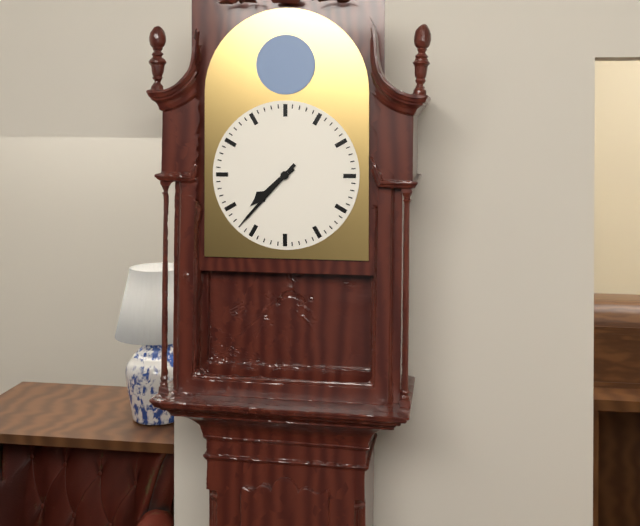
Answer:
h=7 m=37
